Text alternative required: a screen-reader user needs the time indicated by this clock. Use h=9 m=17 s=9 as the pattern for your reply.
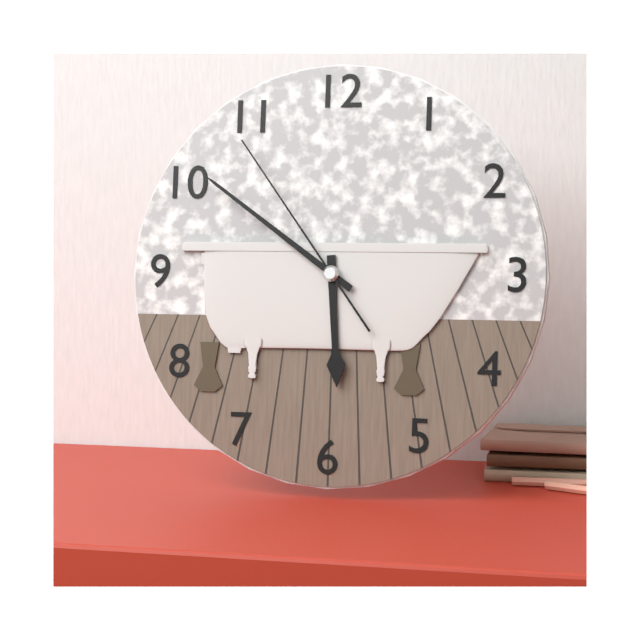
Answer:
h=5 m=51 s=54
